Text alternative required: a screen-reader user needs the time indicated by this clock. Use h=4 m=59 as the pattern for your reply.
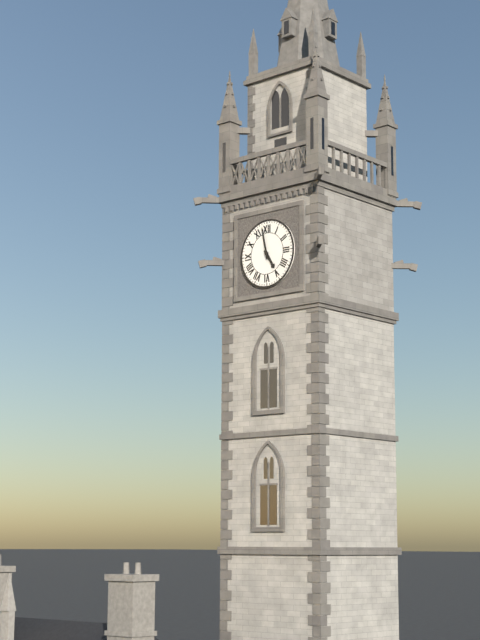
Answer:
h=4 m=58
